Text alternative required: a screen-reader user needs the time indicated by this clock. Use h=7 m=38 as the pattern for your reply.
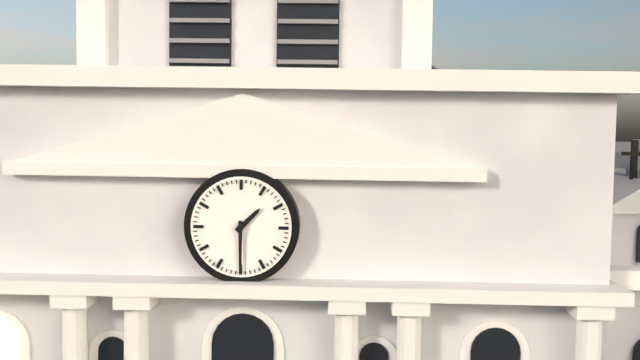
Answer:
h=1 m=30
